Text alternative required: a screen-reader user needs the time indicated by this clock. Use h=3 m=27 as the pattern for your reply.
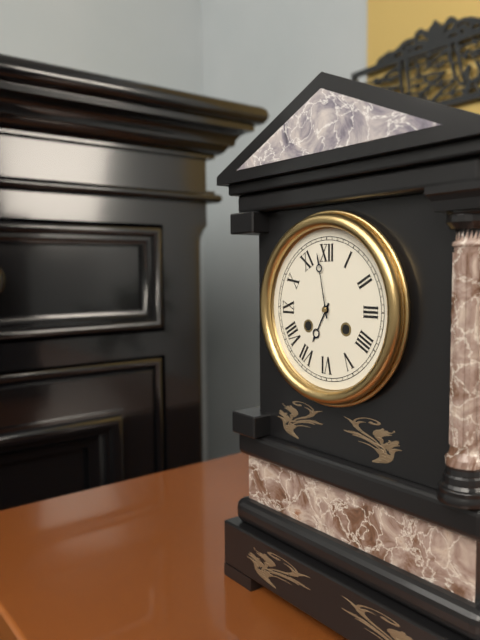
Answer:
h=6 m=58
